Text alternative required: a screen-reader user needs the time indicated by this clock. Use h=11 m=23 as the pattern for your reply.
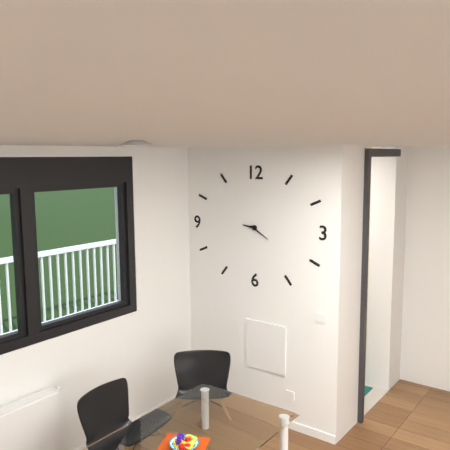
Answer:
h=9 m=20
